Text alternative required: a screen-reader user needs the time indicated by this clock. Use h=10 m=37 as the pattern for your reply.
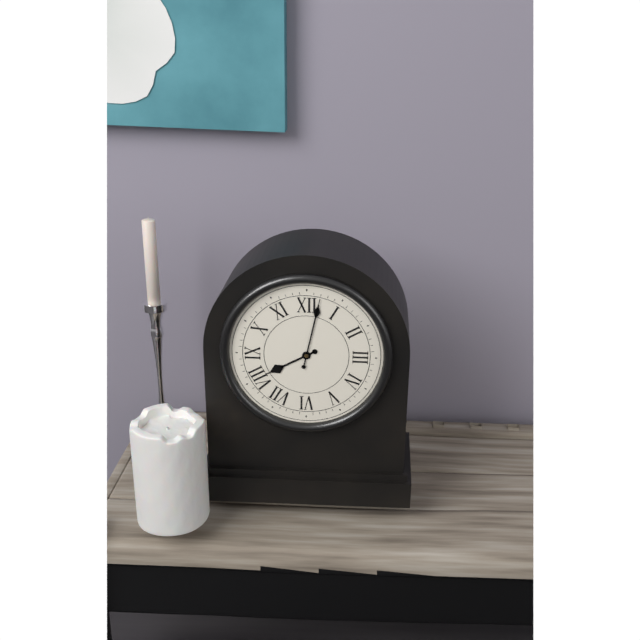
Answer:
h=8 m=2
